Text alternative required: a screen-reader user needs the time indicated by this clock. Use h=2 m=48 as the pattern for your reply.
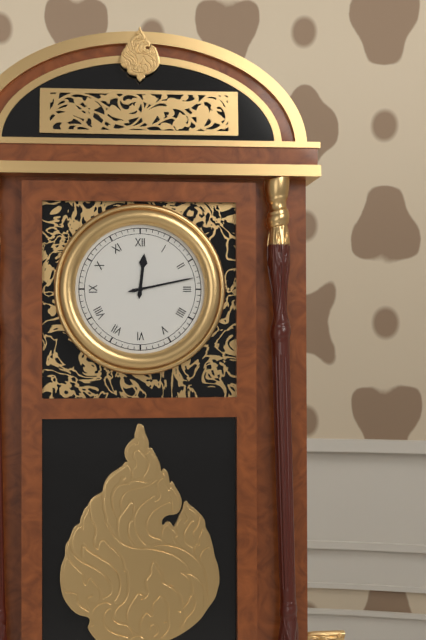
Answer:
h=12 m=13
